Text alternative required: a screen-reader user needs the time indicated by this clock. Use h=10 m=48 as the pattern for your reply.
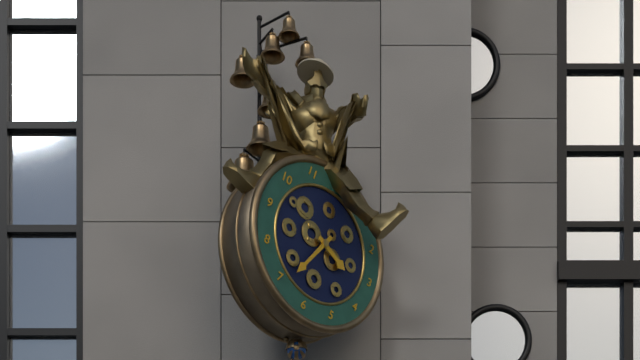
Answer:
h=3 m=34
